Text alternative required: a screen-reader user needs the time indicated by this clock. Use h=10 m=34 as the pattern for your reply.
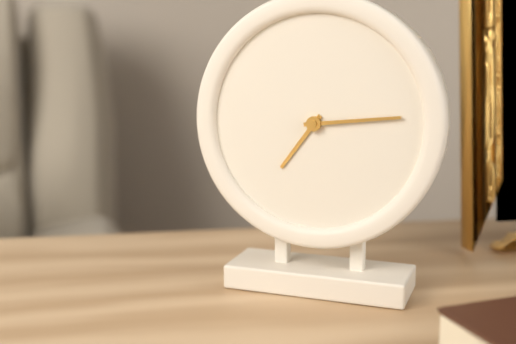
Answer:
h=7 m=14
